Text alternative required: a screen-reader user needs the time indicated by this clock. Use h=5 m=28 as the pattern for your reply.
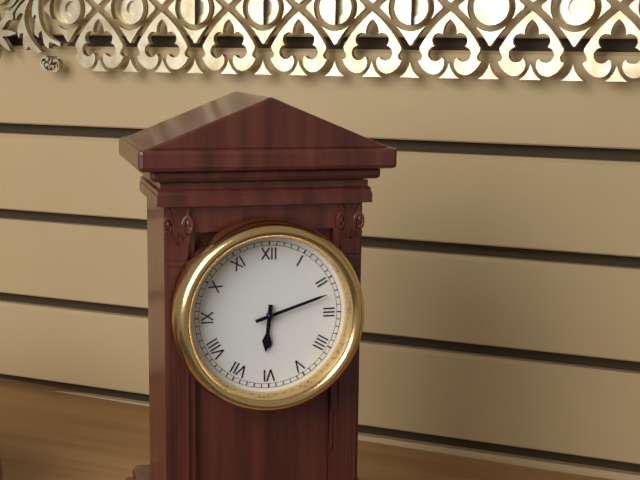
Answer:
h=6 m=12
